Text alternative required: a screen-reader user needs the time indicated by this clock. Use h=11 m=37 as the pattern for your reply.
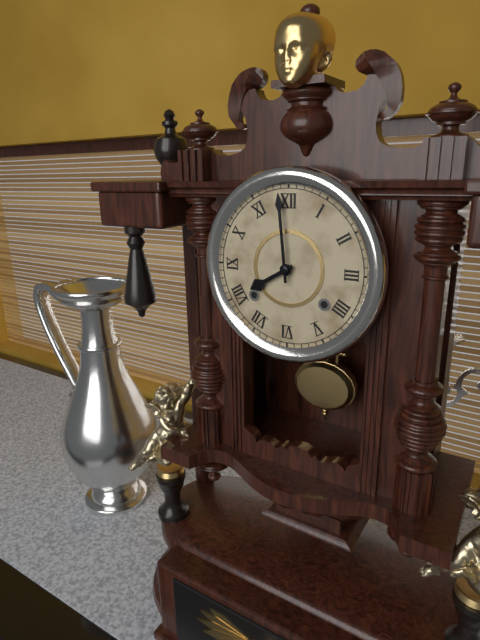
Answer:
h=7 m=59
